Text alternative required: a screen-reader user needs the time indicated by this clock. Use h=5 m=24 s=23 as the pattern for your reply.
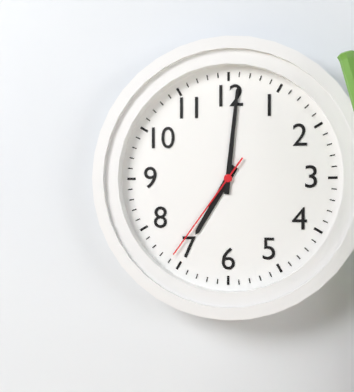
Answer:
h=7 m=1 s=36
